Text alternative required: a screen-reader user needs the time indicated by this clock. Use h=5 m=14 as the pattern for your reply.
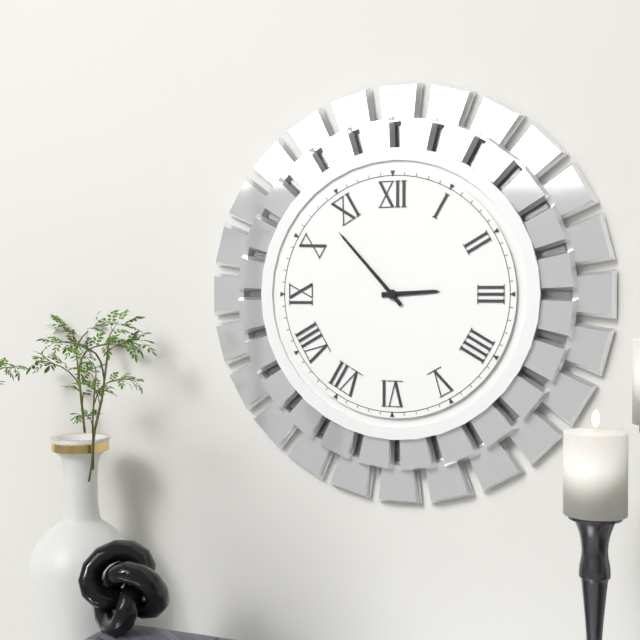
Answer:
h=2 m=53
